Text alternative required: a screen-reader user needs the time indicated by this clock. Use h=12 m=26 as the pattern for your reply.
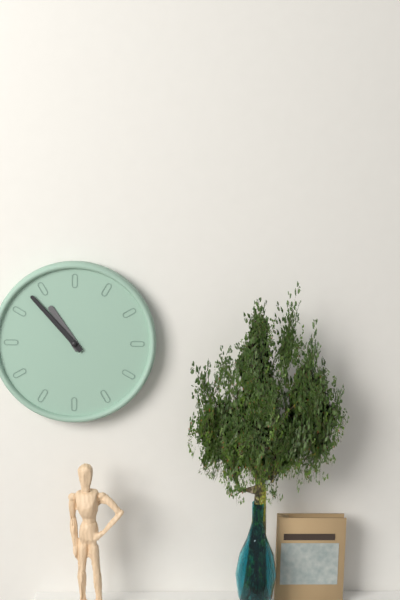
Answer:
h=10 m=53
